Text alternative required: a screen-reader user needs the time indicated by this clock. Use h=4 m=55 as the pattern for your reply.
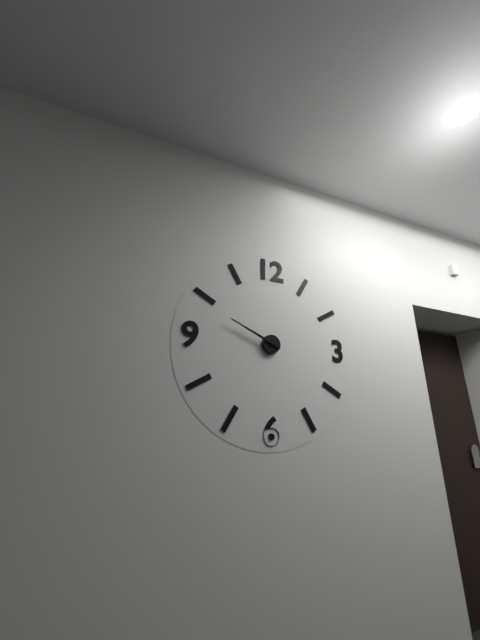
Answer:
h=9 m=49
